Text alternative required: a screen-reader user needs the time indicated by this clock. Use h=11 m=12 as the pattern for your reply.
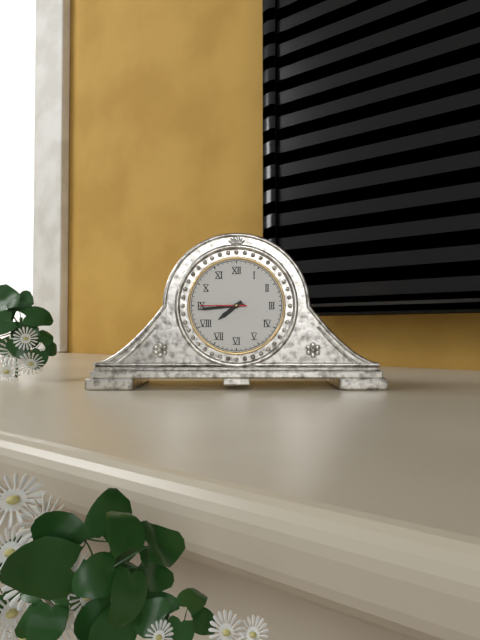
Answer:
h=7 m=44
